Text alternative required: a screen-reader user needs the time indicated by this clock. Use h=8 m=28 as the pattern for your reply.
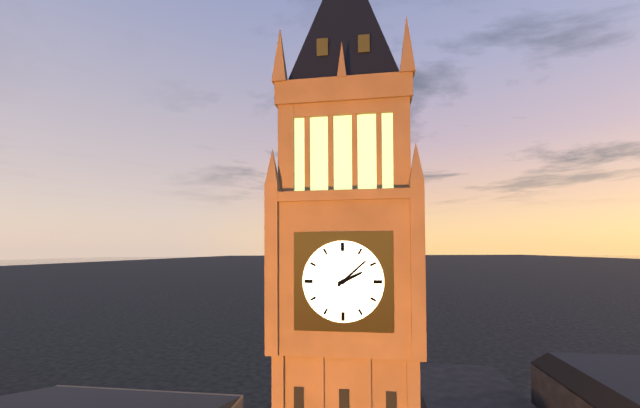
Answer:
h=2 m=8
